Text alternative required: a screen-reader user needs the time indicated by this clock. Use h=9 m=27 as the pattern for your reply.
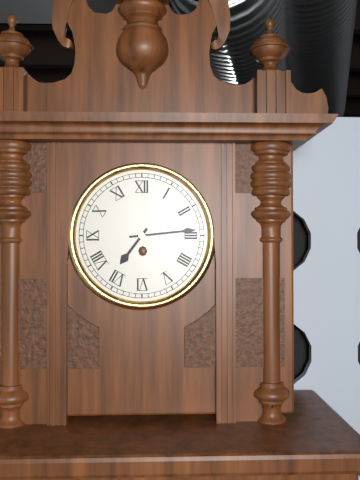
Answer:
h=7 m=14
